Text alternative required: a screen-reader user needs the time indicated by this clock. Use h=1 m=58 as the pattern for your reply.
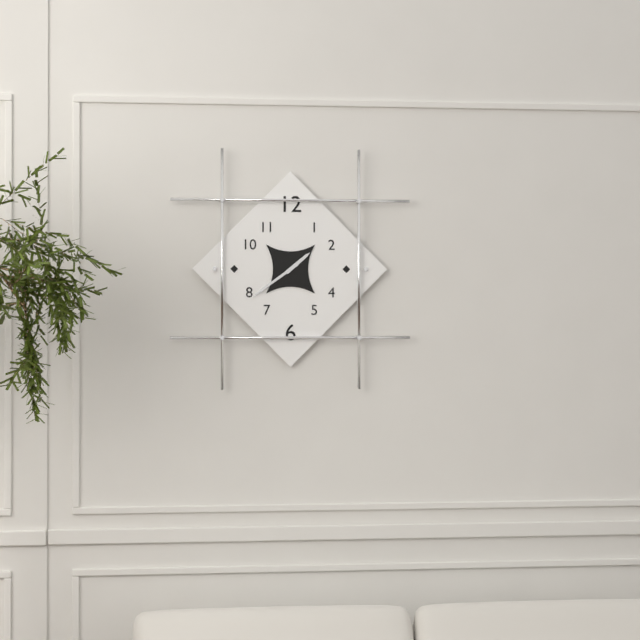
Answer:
h=1 m=39
